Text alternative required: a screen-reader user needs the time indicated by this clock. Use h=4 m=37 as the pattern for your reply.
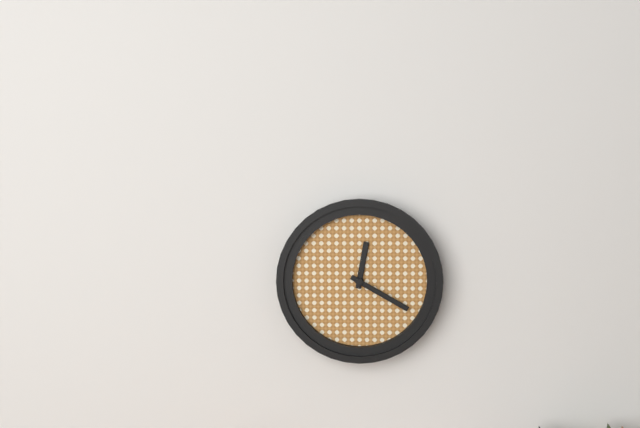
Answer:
h=12 m=20
